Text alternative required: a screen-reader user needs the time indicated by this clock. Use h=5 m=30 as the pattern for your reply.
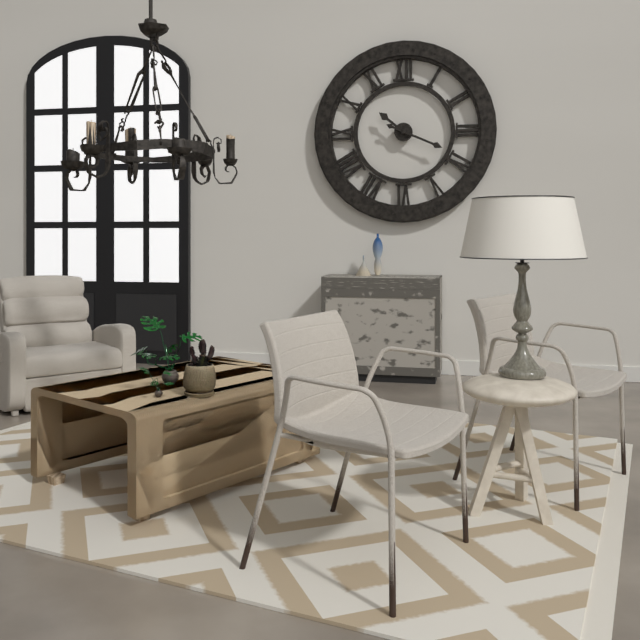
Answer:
h=10 m=19
